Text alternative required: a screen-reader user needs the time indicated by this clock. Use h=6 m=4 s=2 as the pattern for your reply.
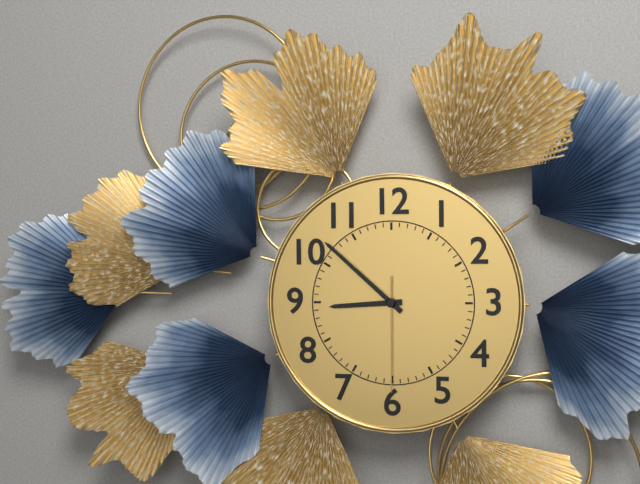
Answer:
h=8 m=52 s=30
